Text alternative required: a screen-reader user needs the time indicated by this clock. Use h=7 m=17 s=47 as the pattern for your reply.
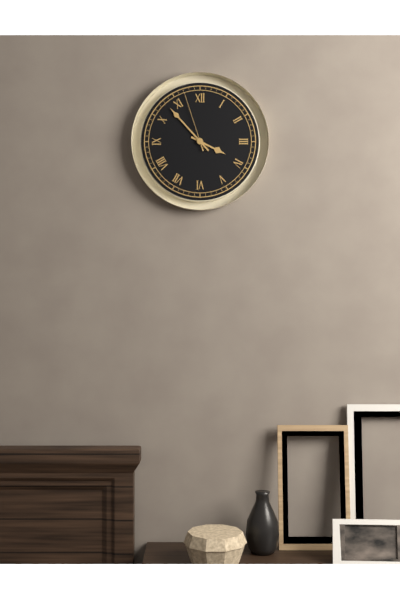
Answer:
h=3 m=53 s=57
